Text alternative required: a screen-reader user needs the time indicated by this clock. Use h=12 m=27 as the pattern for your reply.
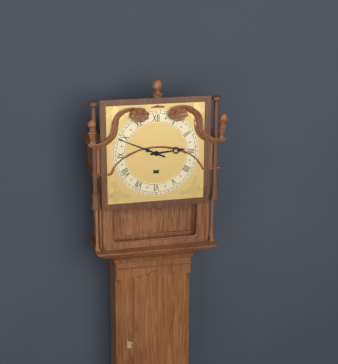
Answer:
h=2 m=49
